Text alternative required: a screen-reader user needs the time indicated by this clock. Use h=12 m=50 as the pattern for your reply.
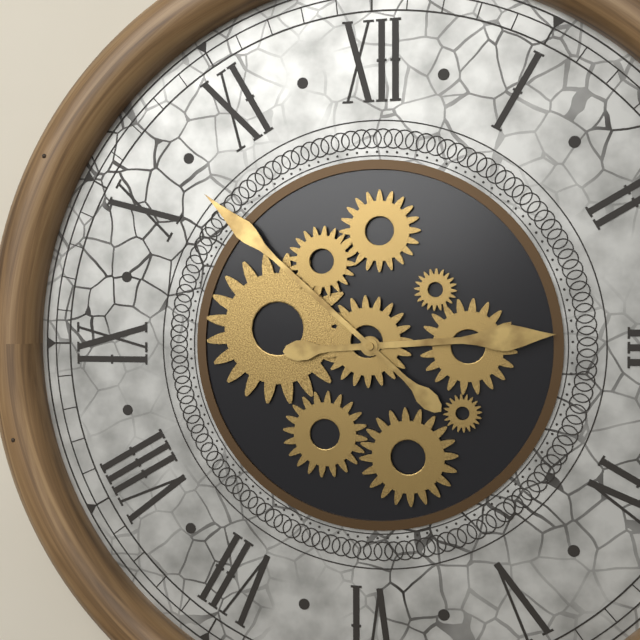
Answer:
h=2 m=52
